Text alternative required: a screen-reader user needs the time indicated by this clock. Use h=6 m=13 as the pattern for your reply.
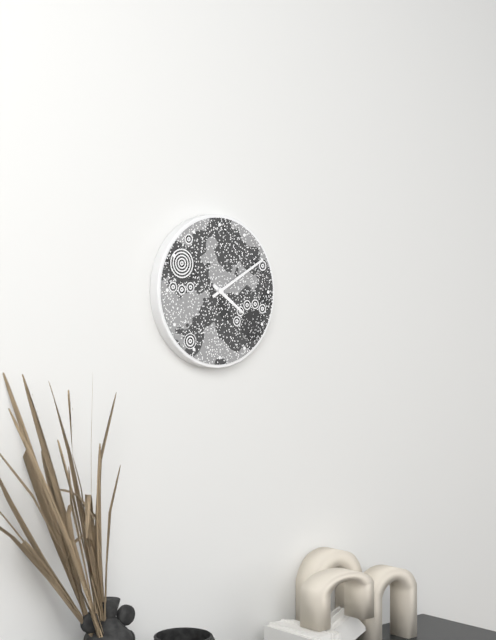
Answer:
h=4 m=10
